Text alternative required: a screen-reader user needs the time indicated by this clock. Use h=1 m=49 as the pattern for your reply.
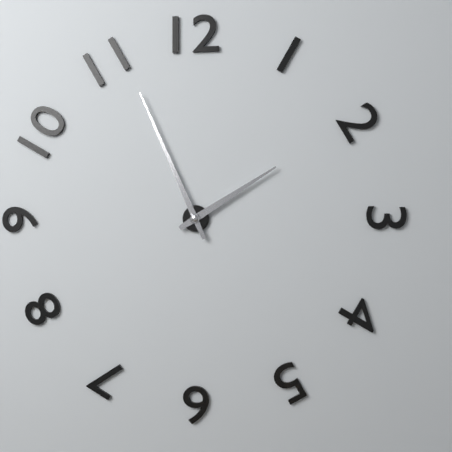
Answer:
h=1 m=56
